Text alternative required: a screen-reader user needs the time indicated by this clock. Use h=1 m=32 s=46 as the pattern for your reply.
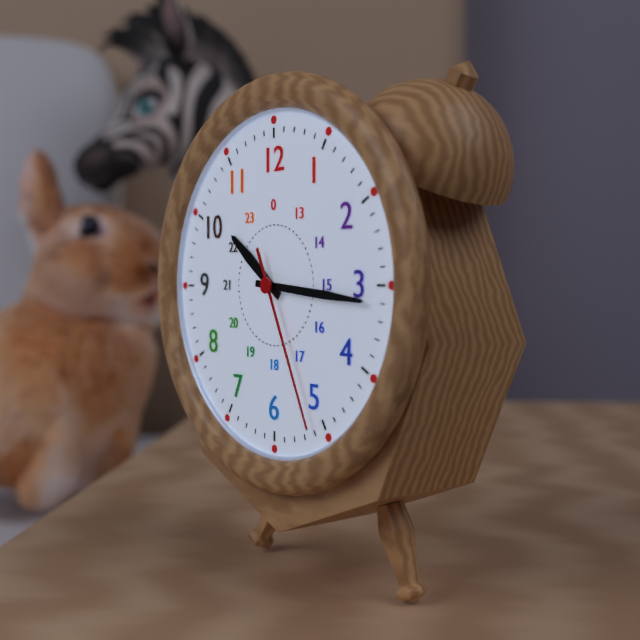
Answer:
h=10 m=16 s=26
